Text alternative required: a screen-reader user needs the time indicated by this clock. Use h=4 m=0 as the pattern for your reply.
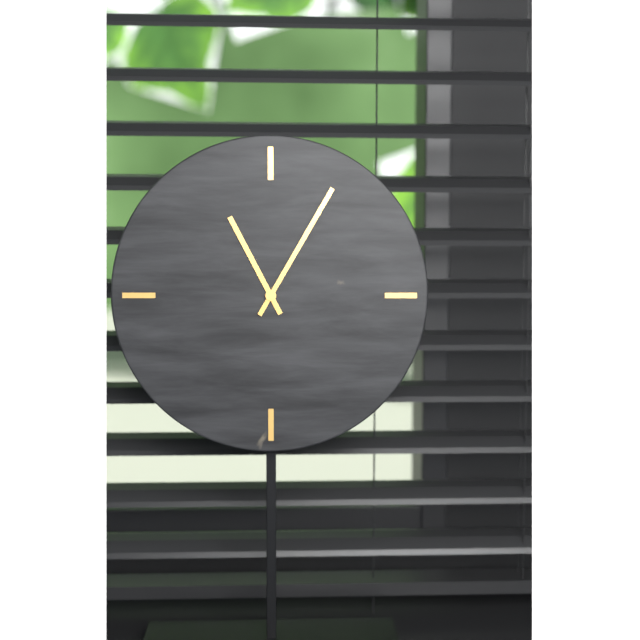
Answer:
h=11 m=5
